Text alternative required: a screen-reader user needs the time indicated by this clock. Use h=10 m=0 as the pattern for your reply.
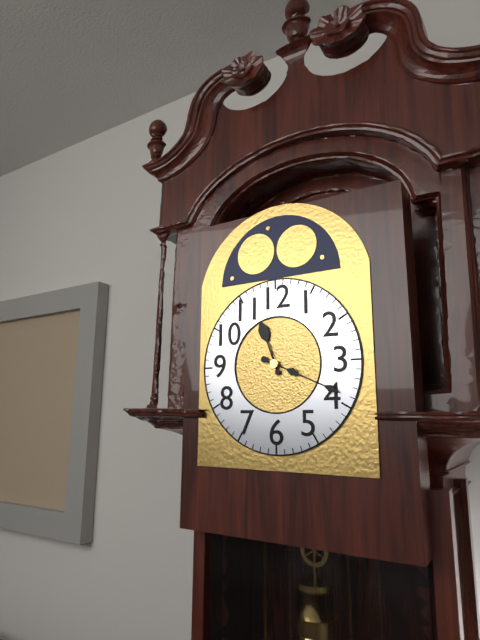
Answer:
h=11 m=19
